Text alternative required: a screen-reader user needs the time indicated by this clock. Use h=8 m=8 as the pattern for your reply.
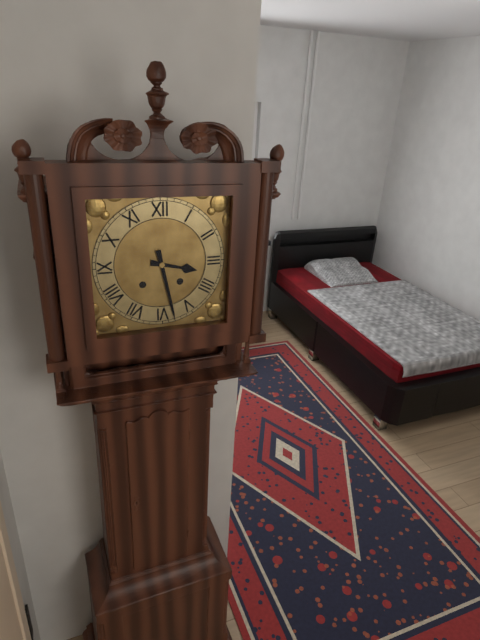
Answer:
h=3 m=28
